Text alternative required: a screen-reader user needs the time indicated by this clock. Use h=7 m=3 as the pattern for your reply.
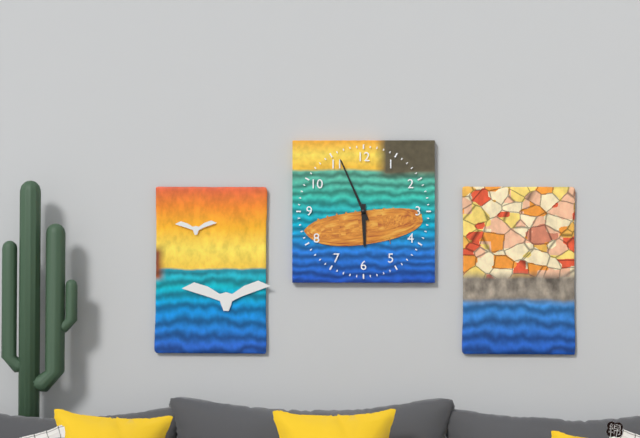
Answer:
h=5 m=56
